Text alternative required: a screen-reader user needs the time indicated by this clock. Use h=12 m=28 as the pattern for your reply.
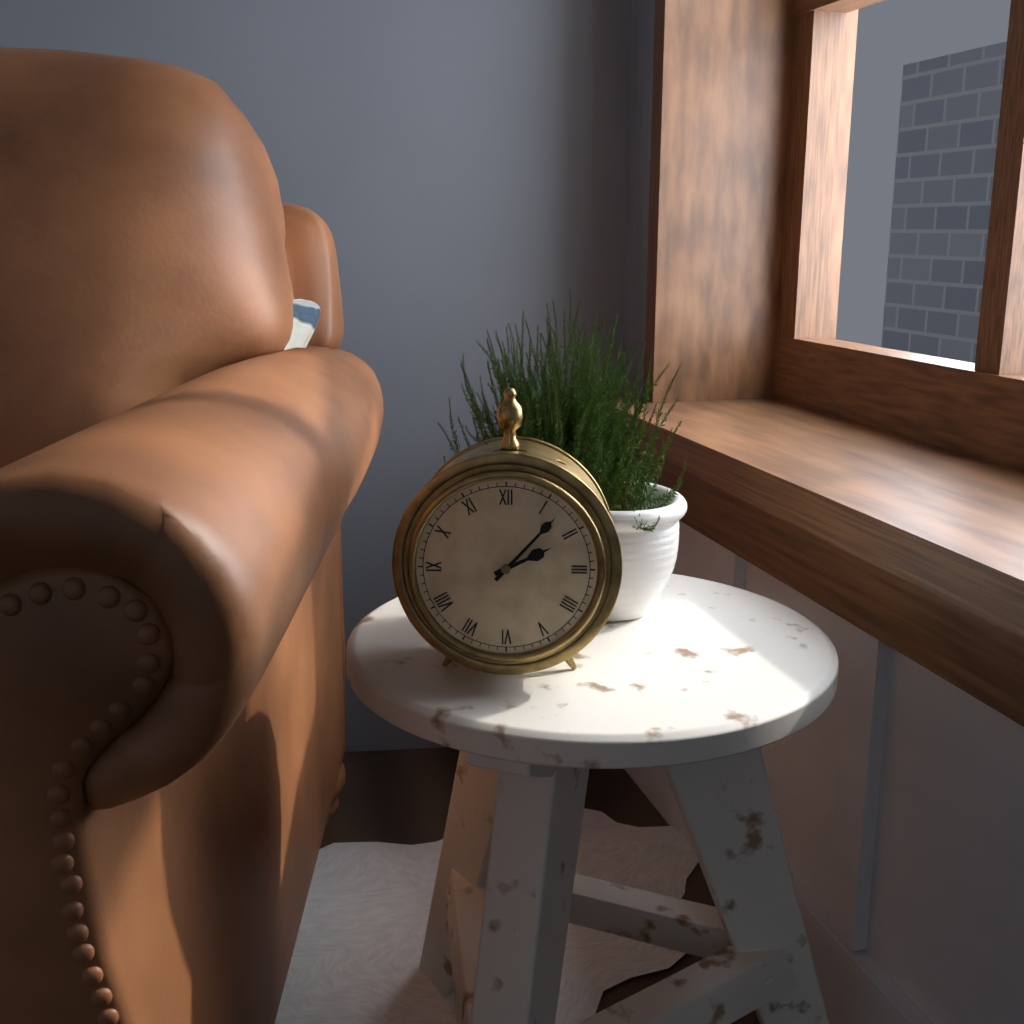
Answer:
h=2 m=7
